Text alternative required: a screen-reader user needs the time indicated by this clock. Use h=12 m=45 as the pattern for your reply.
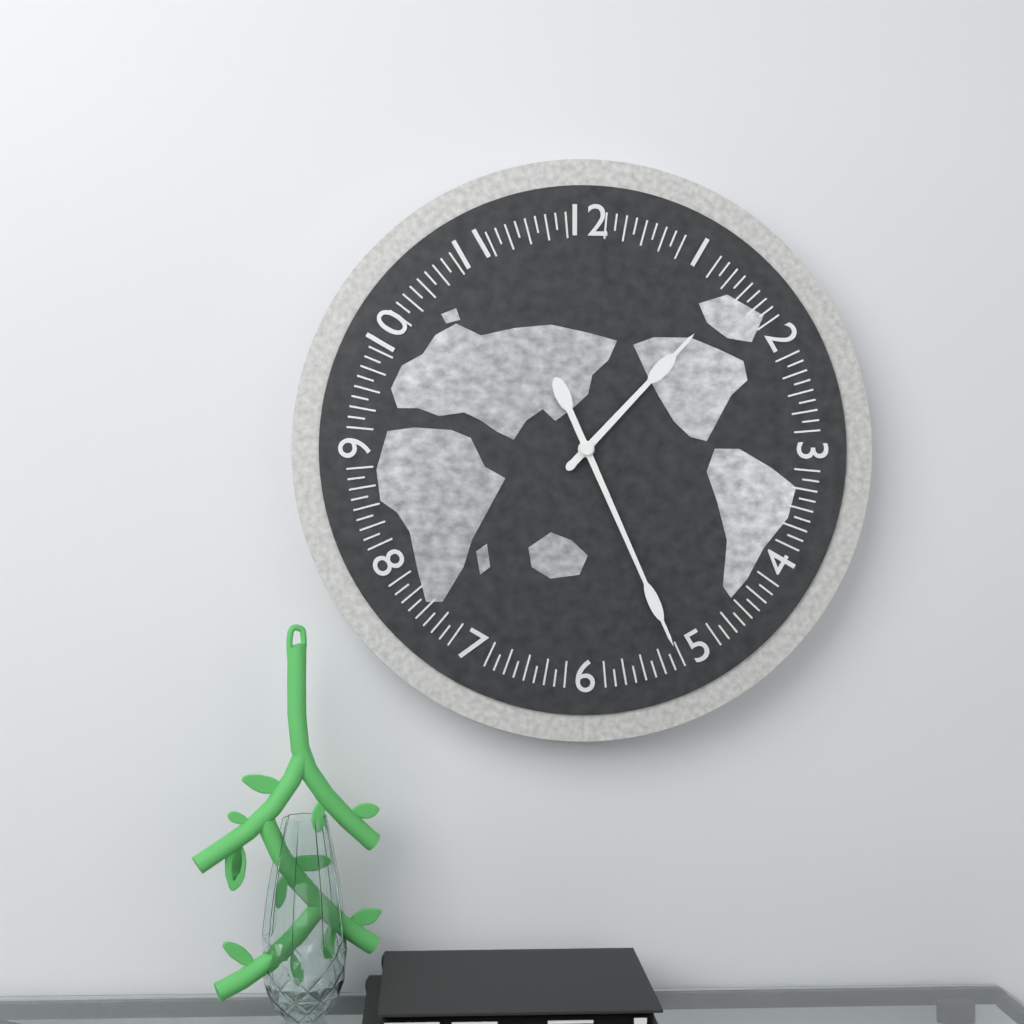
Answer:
h=1 m=26
